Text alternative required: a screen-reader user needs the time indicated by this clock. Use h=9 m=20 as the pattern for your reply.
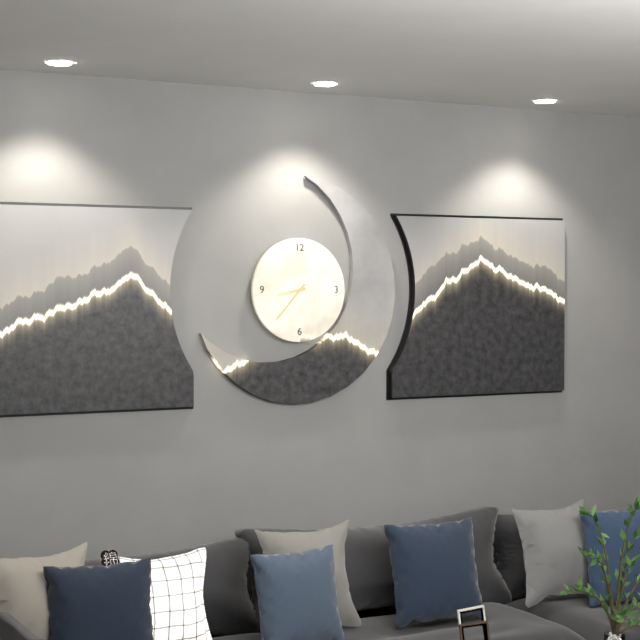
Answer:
h=8 m=37
